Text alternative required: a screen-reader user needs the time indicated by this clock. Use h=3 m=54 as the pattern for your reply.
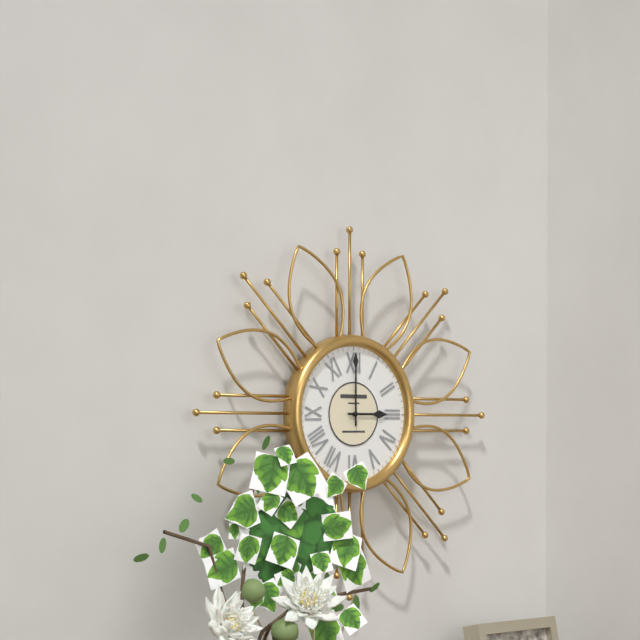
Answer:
h=3 m=0
